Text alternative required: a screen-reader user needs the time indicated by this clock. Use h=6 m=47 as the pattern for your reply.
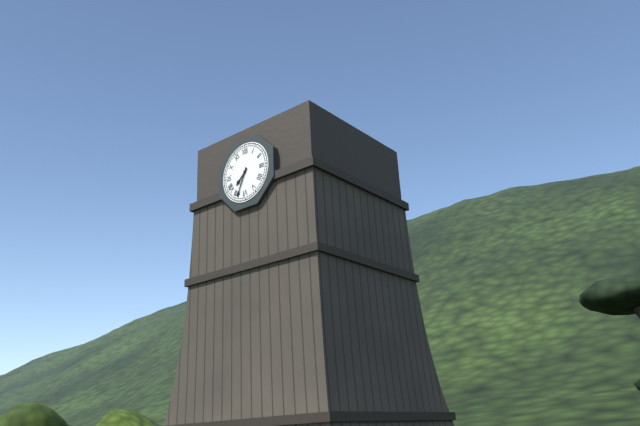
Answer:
h=7 m=34
